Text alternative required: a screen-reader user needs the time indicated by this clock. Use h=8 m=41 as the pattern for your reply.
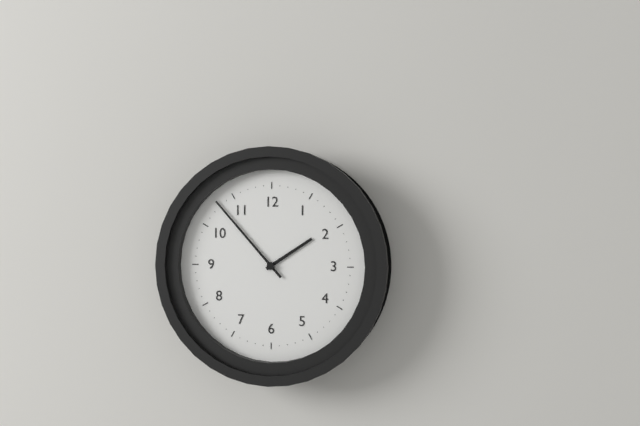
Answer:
h=1 m=53
